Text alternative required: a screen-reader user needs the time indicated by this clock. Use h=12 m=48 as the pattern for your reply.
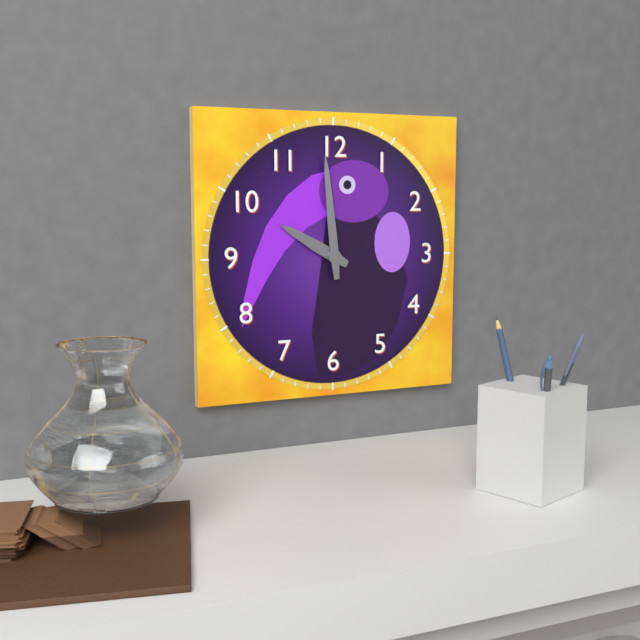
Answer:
h=9 m=59
